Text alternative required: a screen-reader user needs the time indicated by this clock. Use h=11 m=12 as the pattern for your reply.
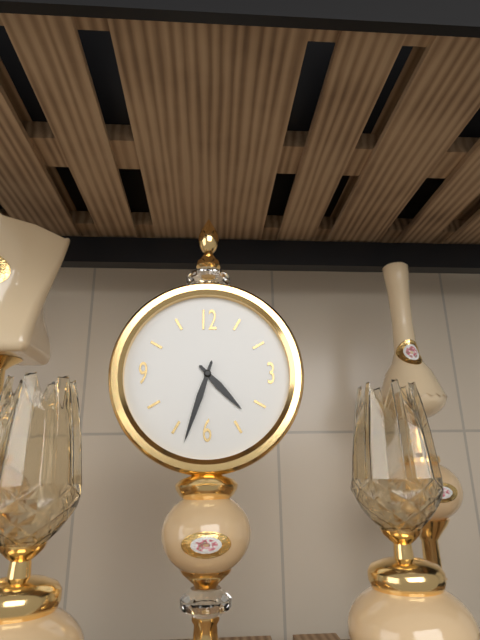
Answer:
h=4 m=33
